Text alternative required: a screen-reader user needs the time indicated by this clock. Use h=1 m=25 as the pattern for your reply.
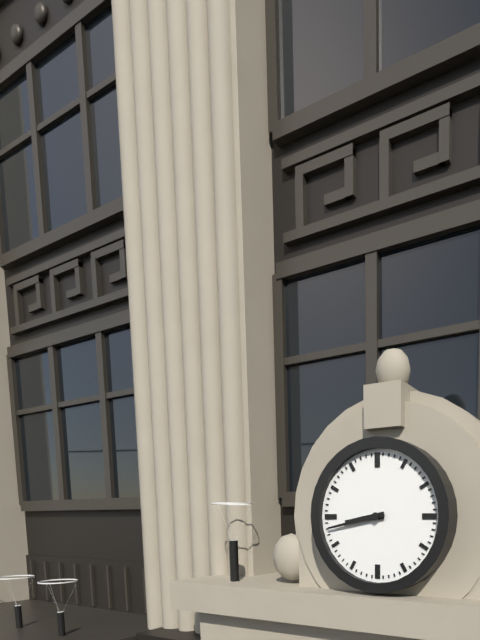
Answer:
h=8 m=43
